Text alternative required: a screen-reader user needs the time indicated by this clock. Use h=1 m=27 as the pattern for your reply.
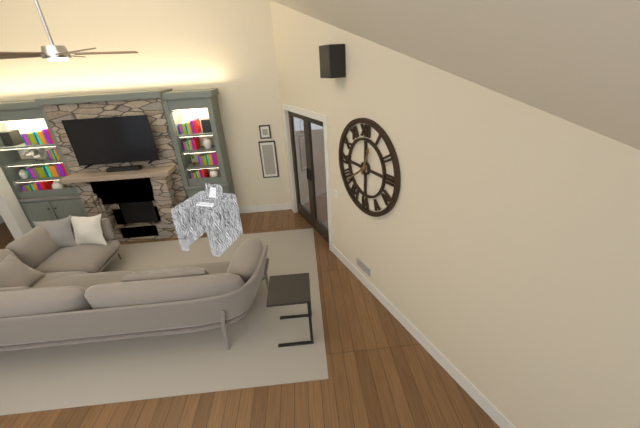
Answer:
h=12 m=39
